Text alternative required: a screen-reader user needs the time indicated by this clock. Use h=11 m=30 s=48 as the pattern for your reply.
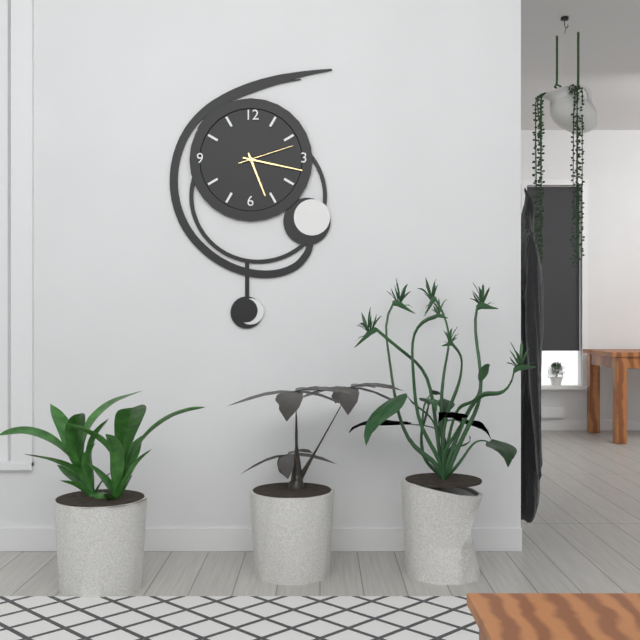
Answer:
h=5 m=17 s=12
